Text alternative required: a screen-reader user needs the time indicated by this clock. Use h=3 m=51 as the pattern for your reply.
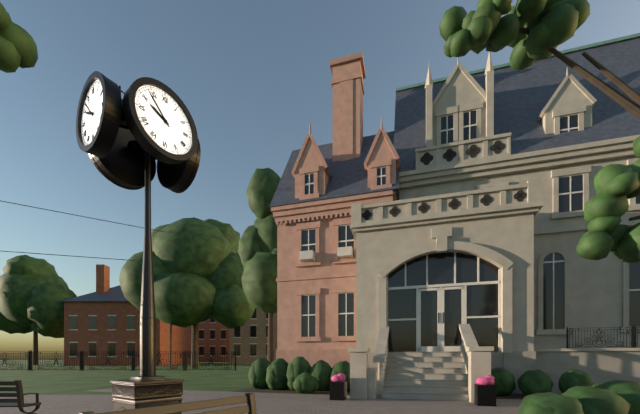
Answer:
h=9 m=53
